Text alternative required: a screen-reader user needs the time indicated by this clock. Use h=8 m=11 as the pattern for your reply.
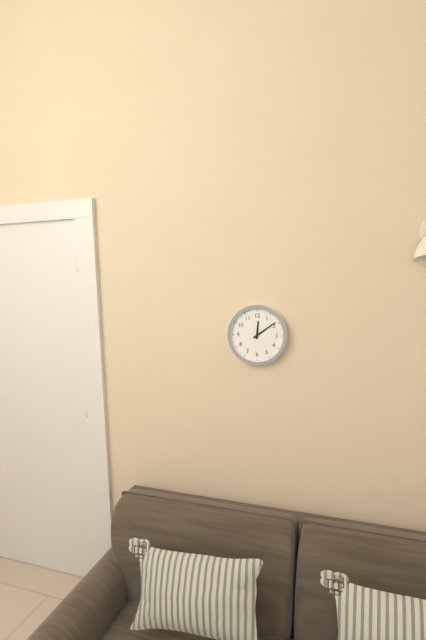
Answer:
h=12 m=9
